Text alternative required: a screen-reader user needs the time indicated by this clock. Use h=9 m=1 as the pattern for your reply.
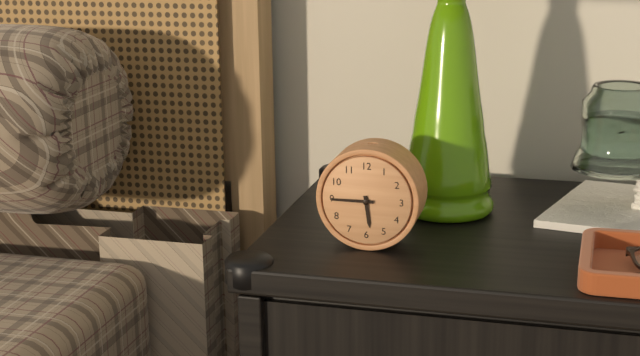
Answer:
h=5 m=45
